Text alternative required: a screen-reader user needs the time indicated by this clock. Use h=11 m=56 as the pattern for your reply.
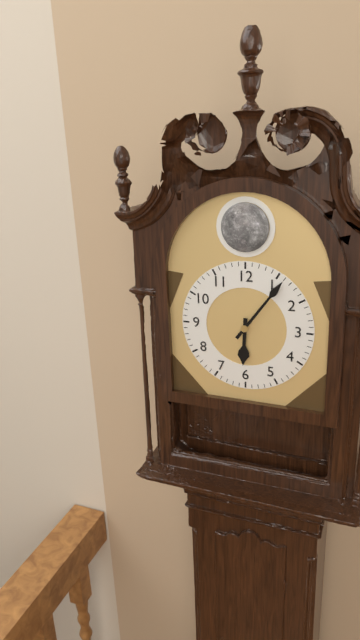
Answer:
h=6 m=6
